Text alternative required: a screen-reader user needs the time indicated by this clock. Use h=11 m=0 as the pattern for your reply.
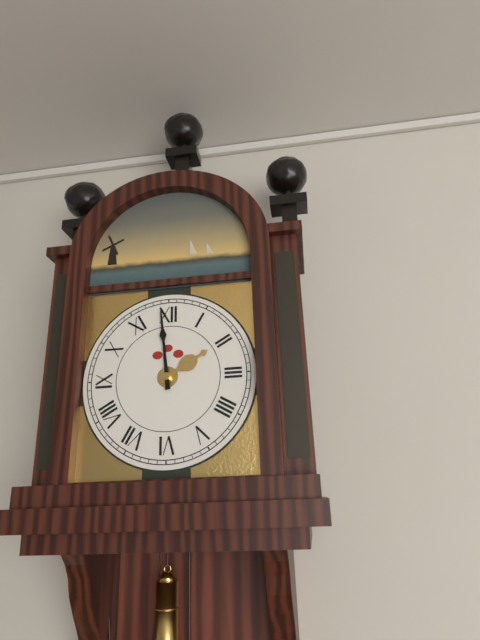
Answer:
h=1 m=59
